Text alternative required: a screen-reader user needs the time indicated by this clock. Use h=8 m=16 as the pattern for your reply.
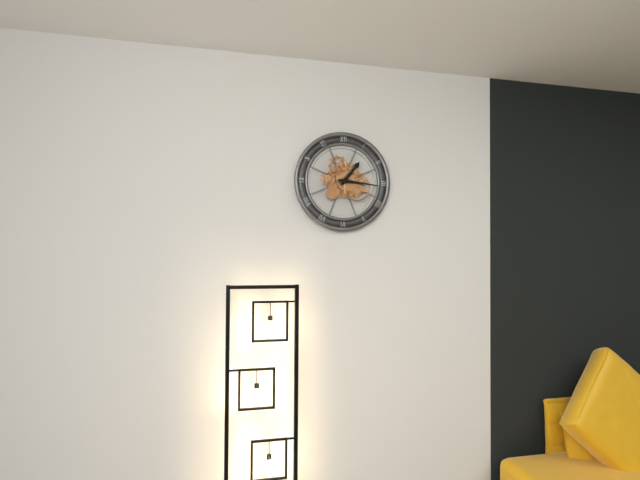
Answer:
h=1 m=16
